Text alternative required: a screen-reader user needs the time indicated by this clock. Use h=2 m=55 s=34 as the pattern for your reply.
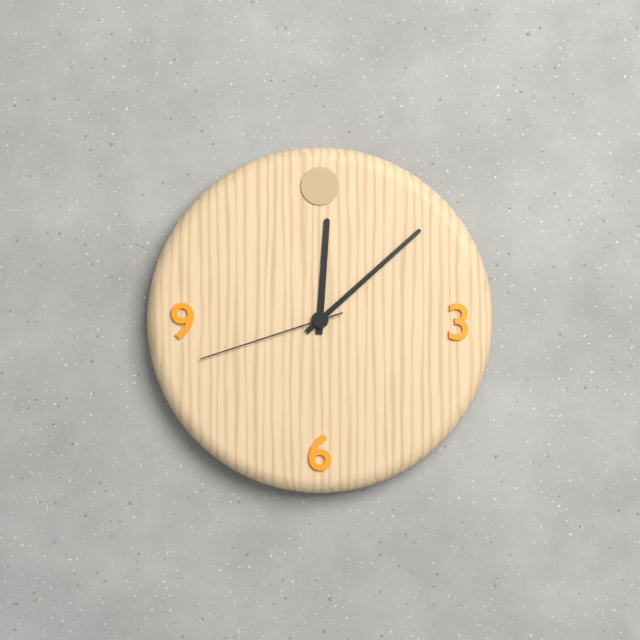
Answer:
h=12 m=8 s=42
